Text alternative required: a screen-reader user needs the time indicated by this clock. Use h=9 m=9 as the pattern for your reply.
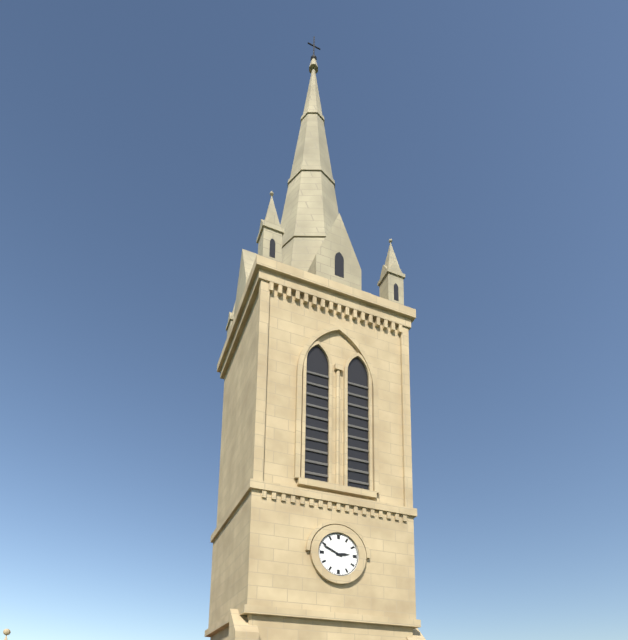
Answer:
h=2 m=49
